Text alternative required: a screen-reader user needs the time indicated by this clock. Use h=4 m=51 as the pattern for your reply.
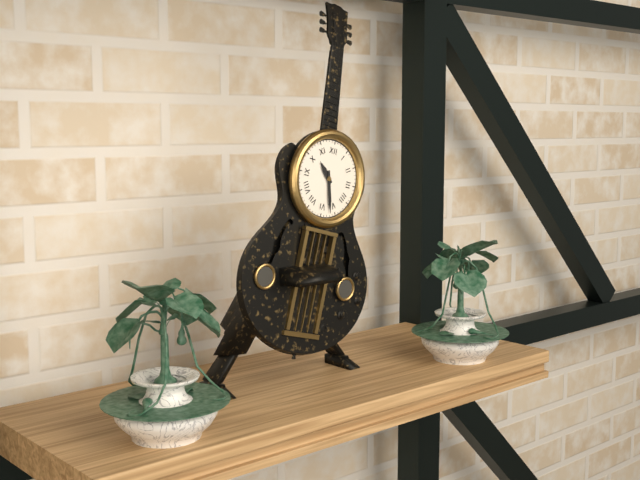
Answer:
h=10 m=27
